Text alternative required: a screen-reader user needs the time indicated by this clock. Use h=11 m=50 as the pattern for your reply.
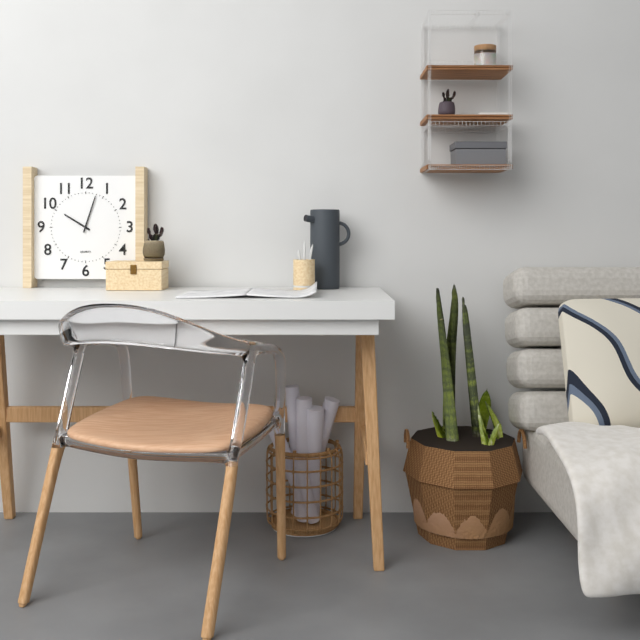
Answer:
h=10 m=3
